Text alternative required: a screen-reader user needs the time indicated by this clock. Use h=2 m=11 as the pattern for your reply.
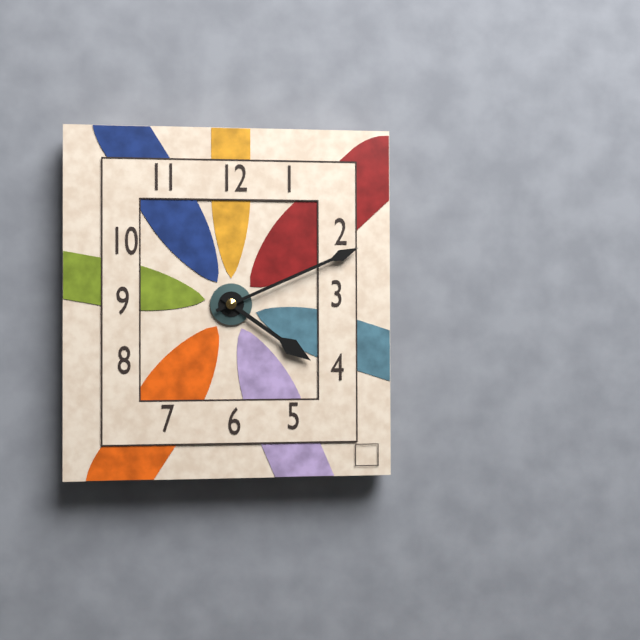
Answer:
h=4 m=11
